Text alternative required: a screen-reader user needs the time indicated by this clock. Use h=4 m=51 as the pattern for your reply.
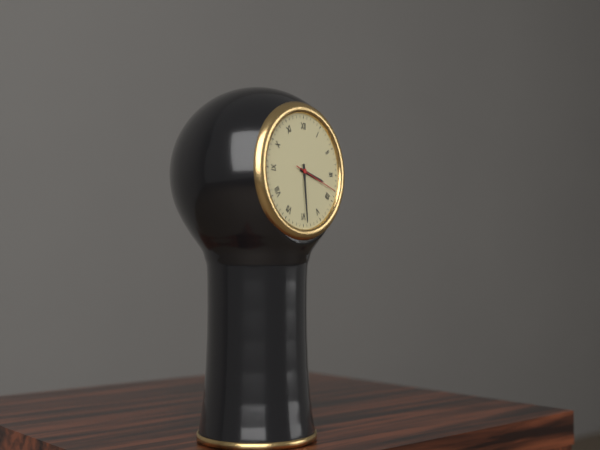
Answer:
h=3 m=29
